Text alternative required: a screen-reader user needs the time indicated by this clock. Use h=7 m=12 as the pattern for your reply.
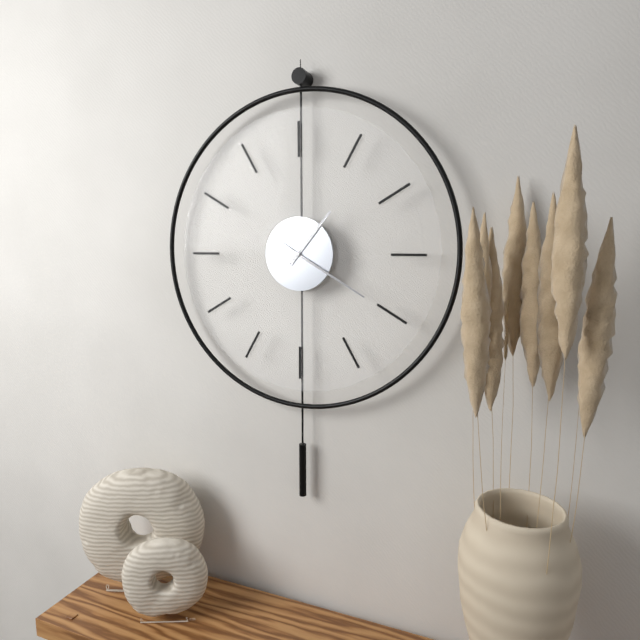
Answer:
h=1 m=20
